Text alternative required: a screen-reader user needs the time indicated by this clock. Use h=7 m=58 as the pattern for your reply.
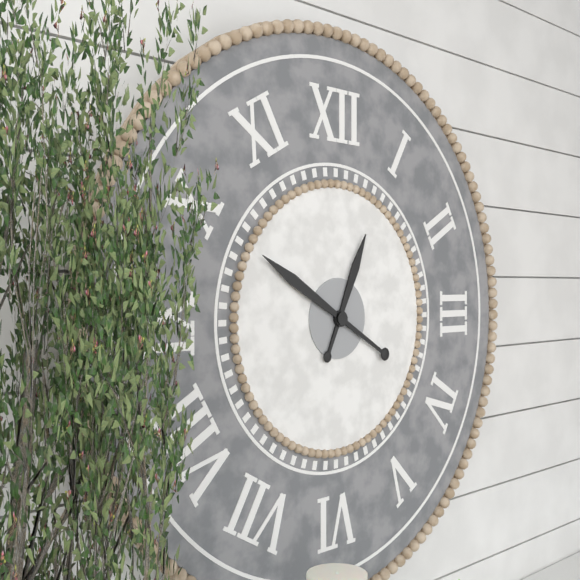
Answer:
h=12 m=50
